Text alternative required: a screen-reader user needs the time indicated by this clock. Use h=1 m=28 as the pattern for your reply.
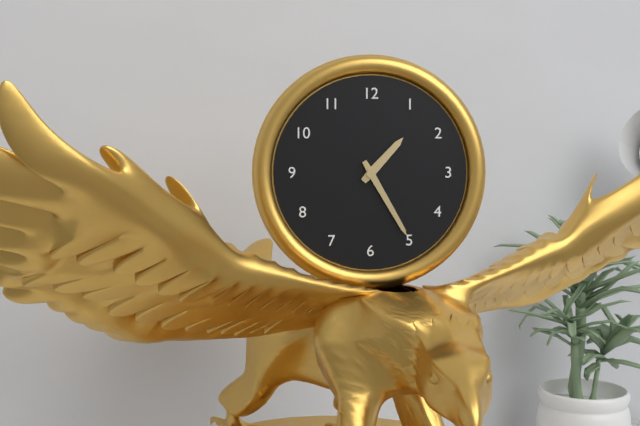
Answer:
h=1 m=25
